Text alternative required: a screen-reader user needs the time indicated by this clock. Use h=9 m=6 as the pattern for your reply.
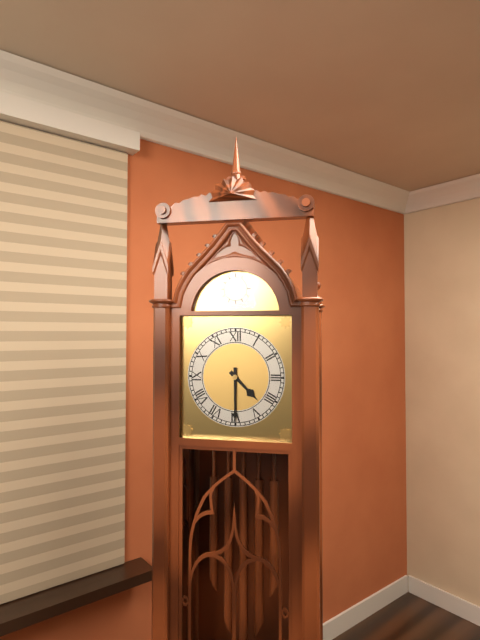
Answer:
h=4 m=30
